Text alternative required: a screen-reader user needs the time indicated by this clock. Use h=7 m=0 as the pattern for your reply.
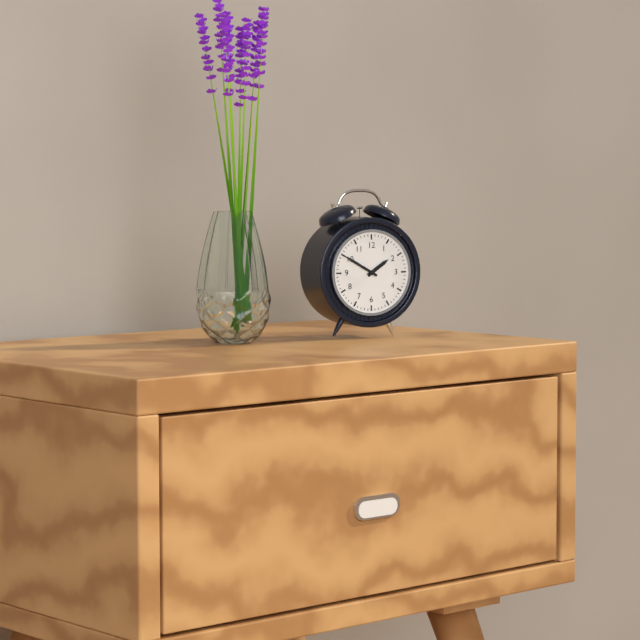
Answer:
h=1 m=50
